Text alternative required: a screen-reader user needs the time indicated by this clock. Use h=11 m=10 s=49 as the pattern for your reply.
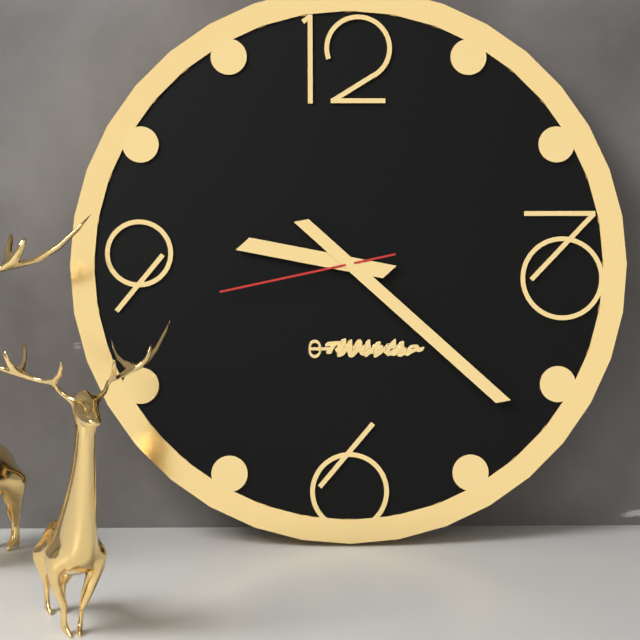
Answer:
h=9 m=22 s=43
